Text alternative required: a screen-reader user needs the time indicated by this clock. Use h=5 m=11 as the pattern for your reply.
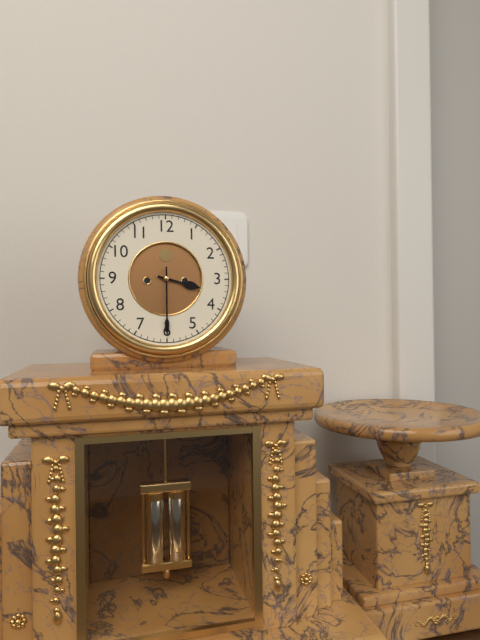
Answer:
h=3 m=30
